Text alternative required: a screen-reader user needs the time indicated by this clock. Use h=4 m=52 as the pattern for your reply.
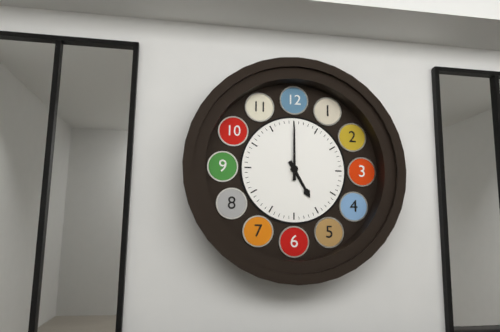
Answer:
h=5 m=0
